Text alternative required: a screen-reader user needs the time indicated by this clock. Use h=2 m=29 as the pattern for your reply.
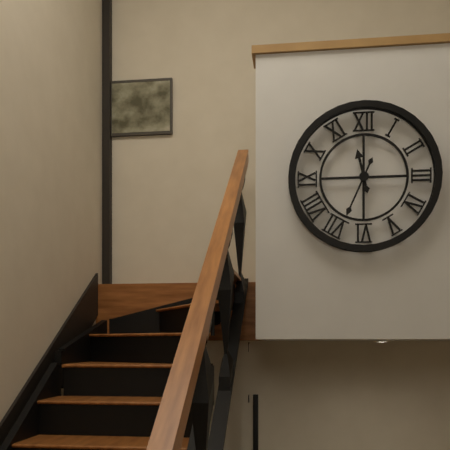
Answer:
h=11 m=34
